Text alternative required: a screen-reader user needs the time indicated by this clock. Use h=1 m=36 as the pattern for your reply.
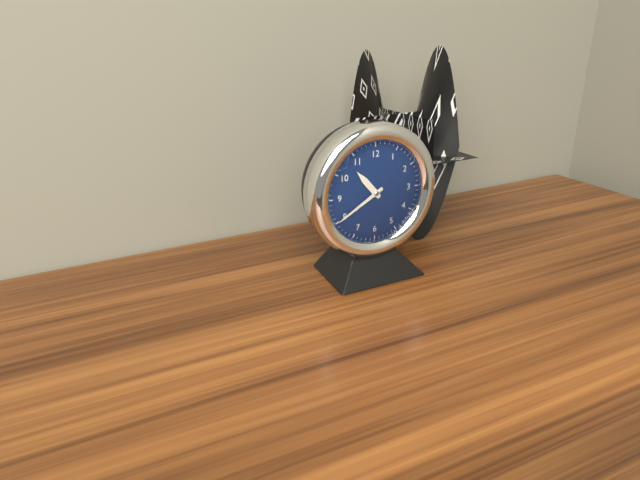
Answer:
h=10 m=40
